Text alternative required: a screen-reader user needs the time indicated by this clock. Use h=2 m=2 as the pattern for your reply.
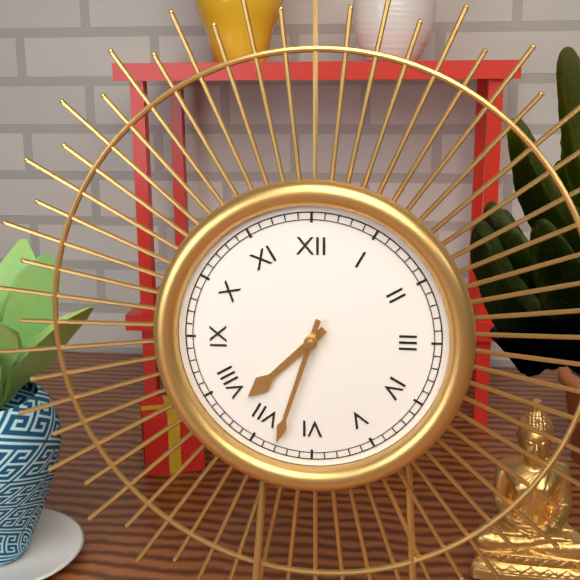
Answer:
h=7 m=33
